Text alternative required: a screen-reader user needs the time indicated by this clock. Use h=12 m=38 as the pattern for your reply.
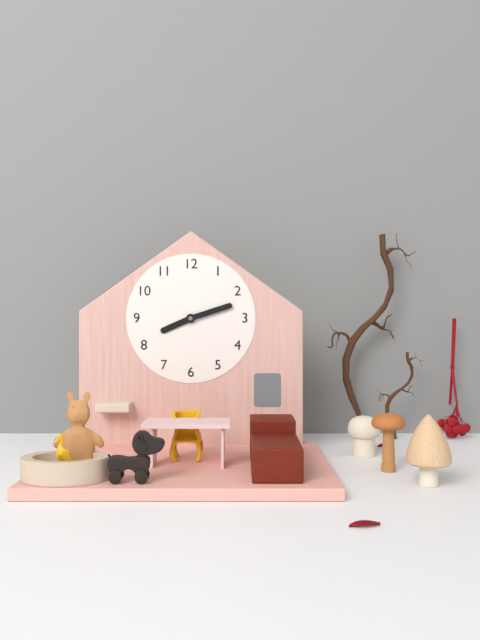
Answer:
h=8 m=12
